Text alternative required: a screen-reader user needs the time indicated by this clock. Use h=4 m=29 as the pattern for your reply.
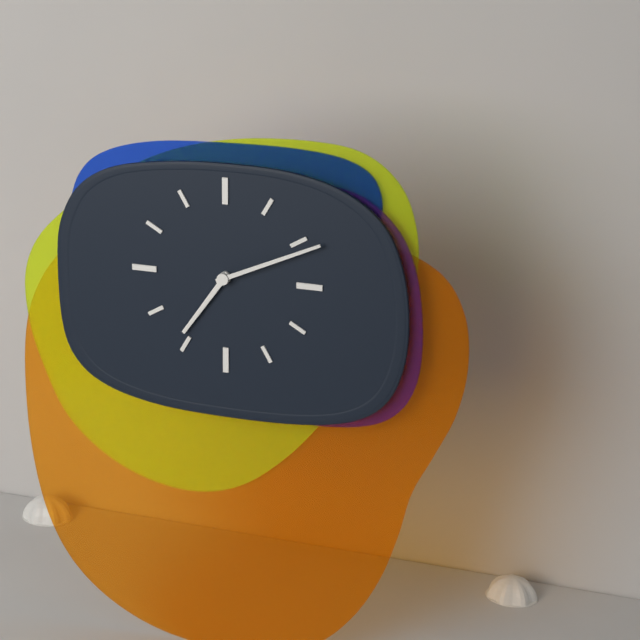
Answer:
h=7 m=11
